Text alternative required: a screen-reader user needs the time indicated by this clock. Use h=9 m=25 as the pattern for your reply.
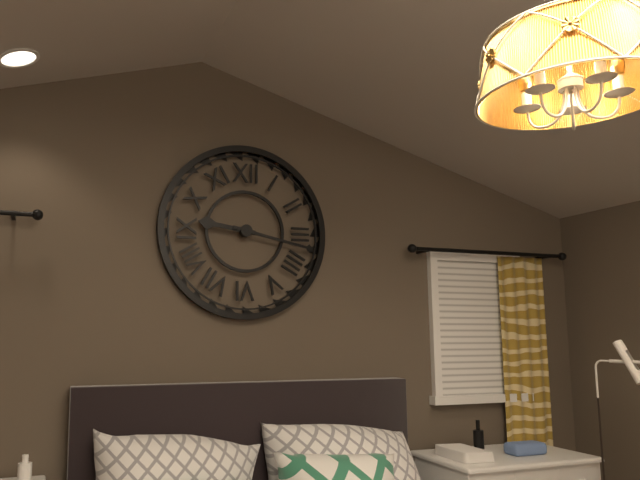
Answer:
h=9 m=17
